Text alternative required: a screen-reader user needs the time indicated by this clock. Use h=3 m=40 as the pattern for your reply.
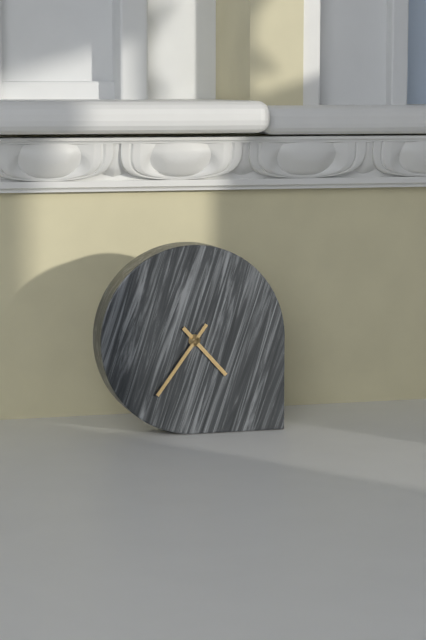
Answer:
h=4 m=36
